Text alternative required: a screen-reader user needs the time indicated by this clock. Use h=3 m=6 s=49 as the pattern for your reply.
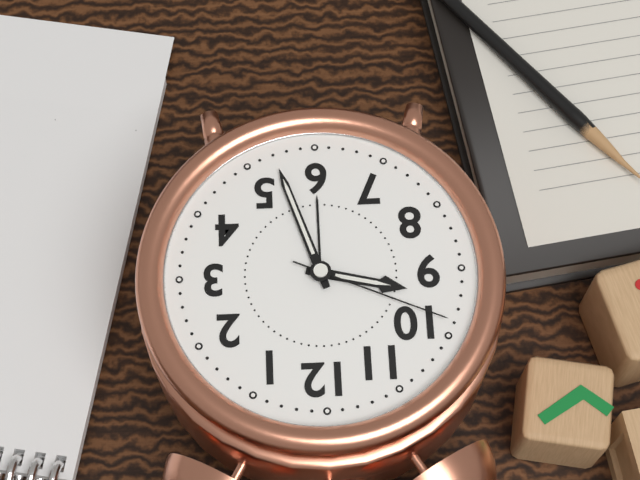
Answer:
h=9 m=27 s=49
